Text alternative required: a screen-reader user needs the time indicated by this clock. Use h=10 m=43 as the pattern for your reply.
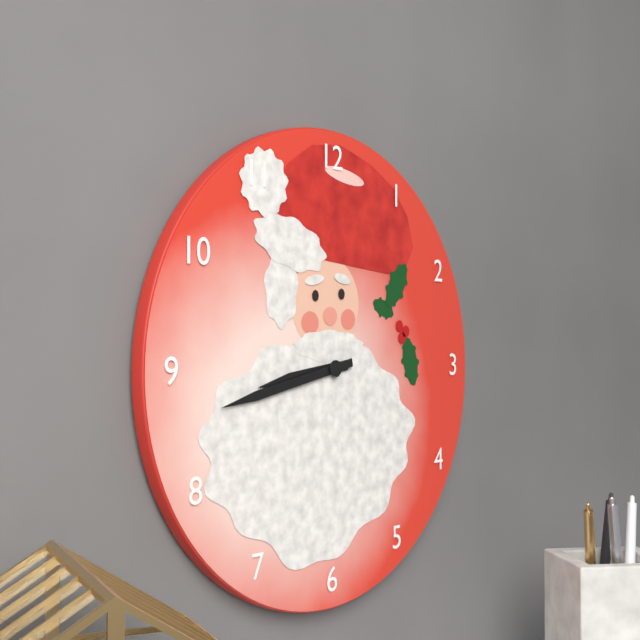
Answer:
h=8 m=43
